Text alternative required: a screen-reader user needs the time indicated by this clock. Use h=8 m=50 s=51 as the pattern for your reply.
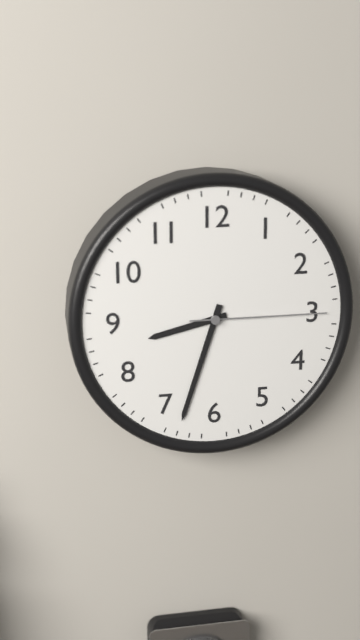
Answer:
h=8 m=33 s=15
